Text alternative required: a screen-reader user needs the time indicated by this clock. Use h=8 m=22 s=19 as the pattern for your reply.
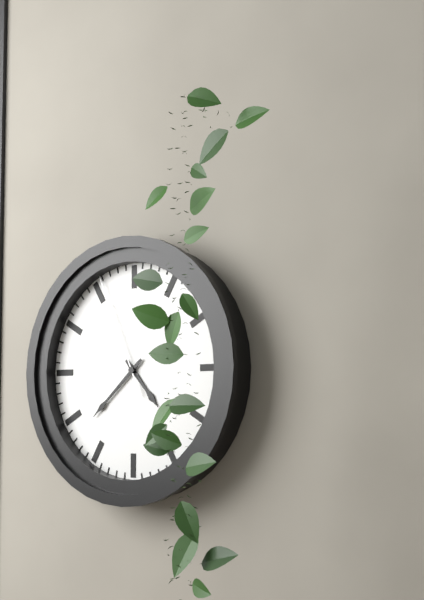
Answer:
h=4 m=38 s=56
